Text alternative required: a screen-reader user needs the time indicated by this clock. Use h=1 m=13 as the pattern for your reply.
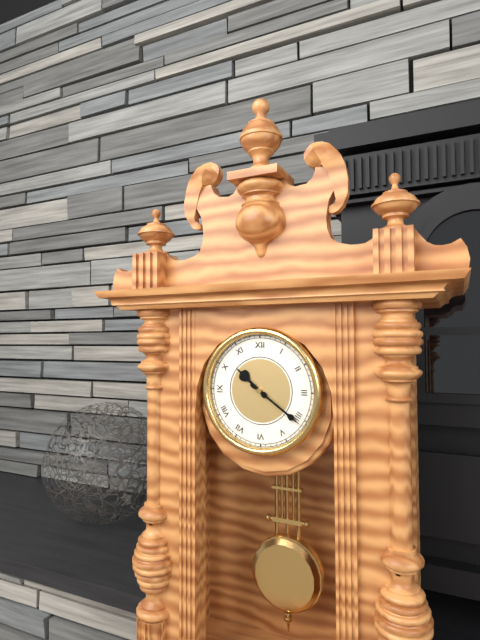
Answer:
h=10 m=21
